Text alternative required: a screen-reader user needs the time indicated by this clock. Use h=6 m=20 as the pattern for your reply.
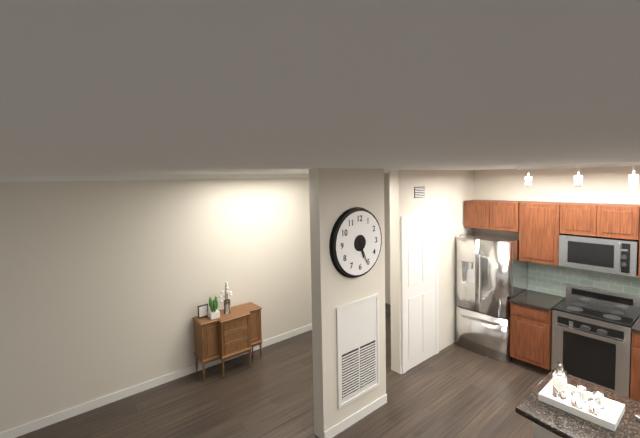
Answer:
h=5 m=26
